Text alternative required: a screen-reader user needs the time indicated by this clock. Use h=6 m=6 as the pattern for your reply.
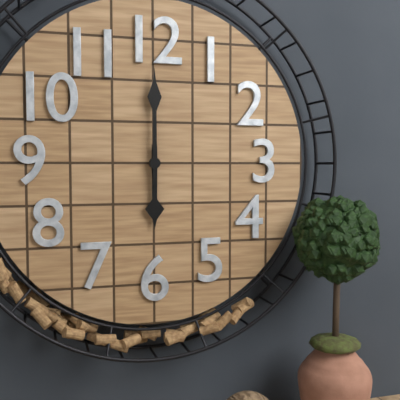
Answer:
h=6 m=0
